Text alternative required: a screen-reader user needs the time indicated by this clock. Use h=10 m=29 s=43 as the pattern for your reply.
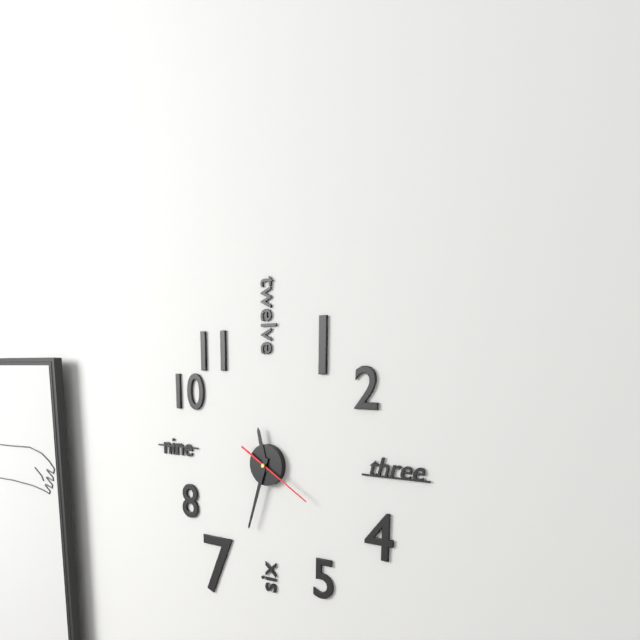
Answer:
h=11 m=33 s=20
